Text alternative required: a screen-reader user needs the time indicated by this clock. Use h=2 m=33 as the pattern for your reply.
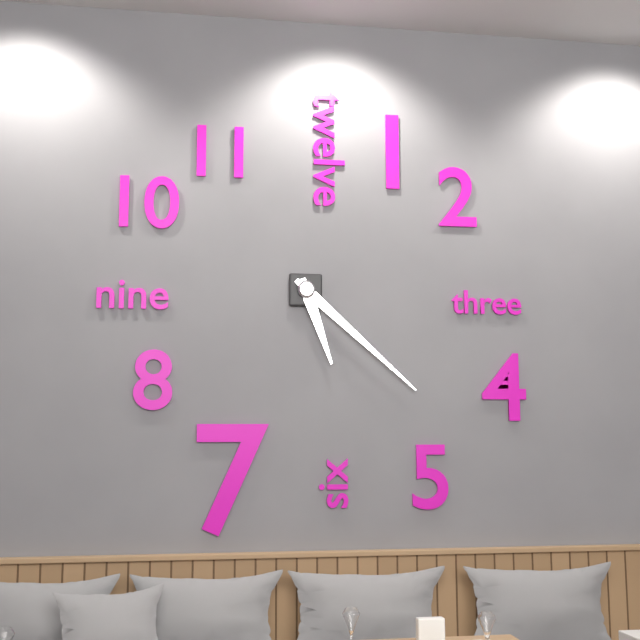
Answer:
h=5 m=22
